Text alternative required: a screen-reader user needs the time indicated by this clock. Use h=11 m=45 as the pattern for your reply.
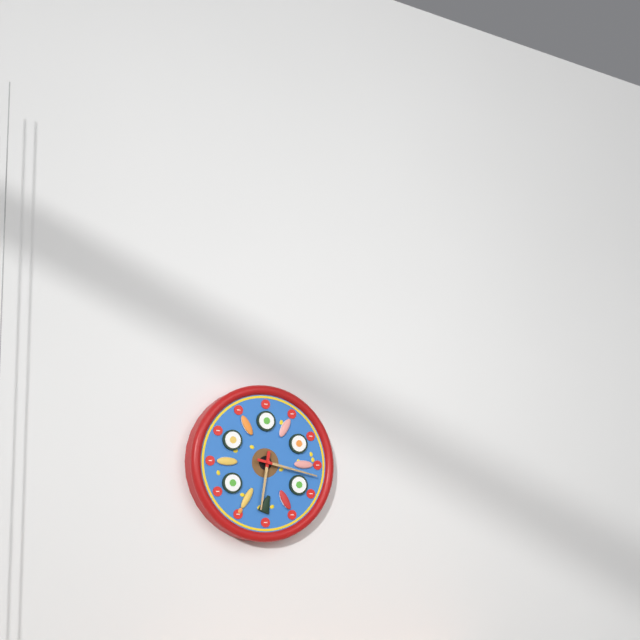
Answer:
h=6 m=17
